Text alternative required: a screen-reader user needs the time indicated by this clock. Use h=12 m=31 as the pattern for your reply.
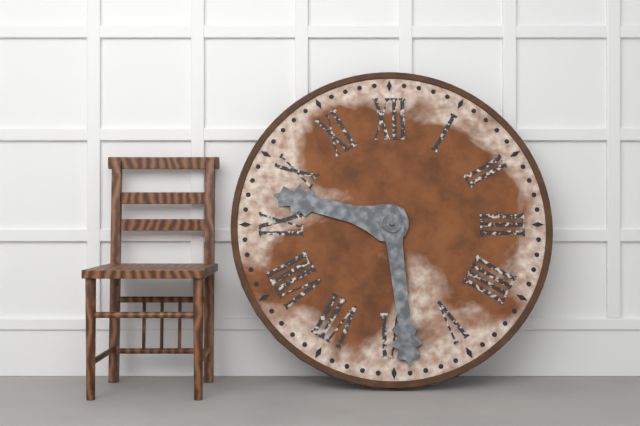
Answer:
h=9 m=29
